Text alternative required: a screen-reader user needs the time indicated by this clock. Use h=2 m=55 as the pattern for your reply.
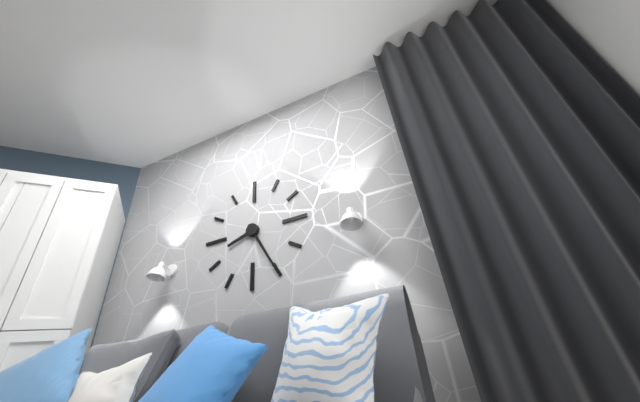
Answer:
h=8 m=25
